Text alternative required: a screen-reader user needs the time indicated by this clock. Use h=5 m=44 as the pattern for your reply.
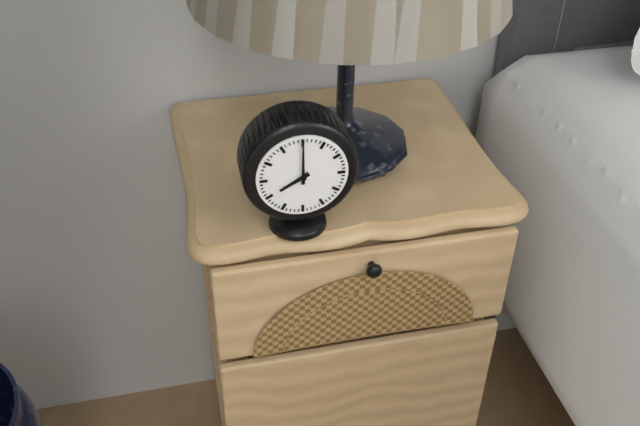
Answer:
h=8 m=0
